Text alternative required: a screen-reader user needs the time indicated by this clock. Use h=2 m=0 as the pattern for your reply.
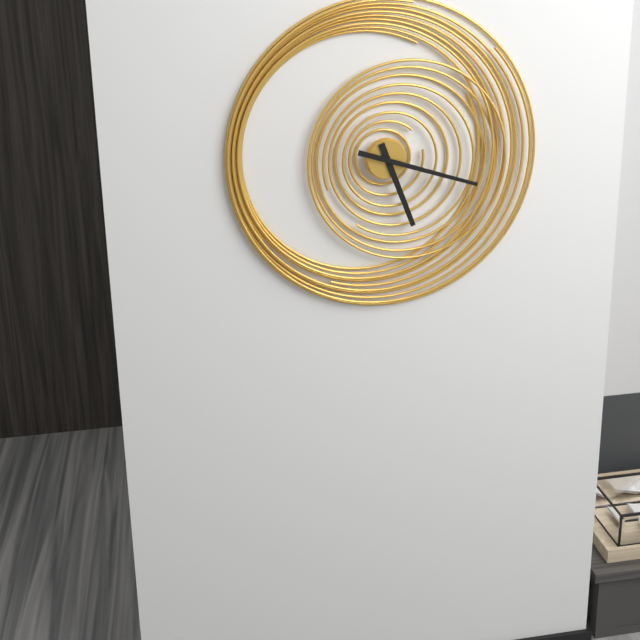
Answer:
h=5 m=18
